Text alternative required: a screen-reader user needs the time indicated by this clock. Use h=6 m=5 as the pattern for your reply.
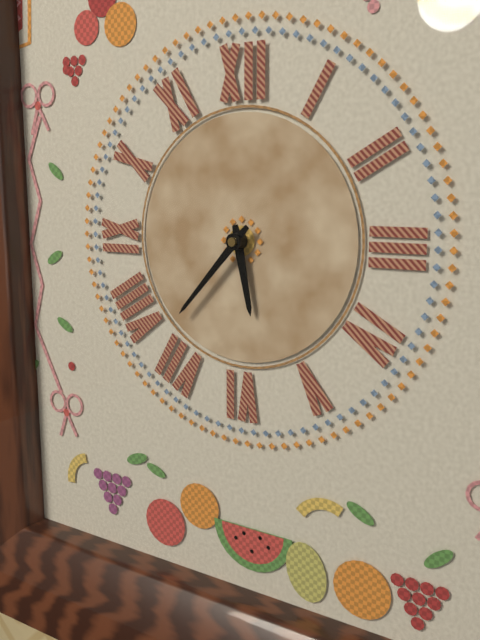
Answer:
h=5 m=37
